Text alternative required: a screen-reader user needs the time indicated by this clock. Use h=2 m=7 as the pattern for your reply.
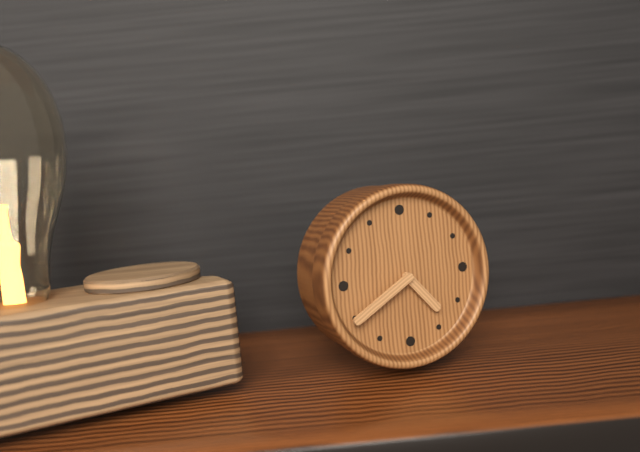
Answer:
h=4 m=40
